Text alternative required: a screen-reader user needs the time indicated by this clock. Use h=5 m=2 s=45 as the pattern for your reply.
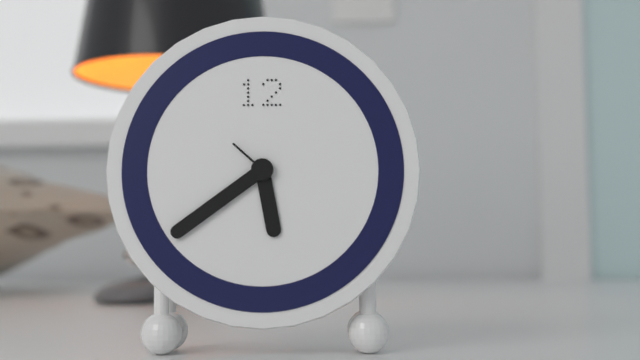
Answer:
h=5 m=39 s=52
